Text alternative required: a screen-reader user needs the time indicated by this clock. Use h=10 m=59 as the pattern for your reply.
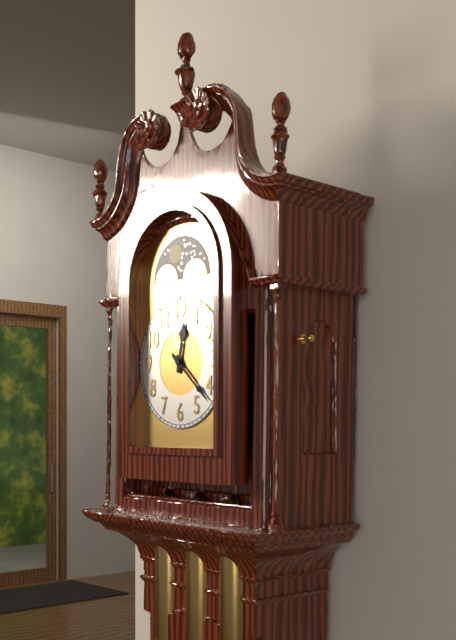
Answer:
h=12 m=22
